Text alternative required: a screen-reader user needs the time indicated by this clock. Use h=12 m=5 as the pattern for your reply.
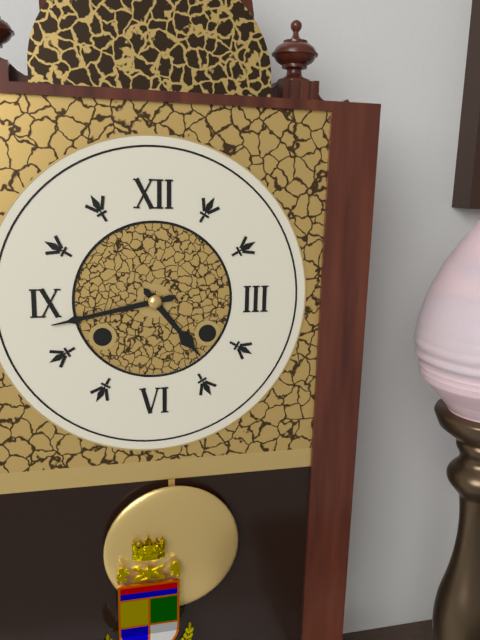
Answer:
h=4 m=43
